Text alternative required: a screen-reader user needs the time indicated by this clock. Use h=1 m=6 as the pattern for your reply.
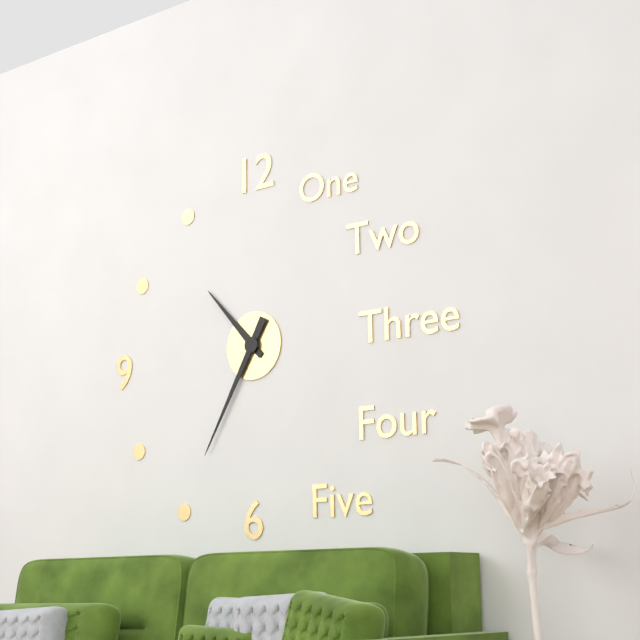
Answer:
h=10 m=35
